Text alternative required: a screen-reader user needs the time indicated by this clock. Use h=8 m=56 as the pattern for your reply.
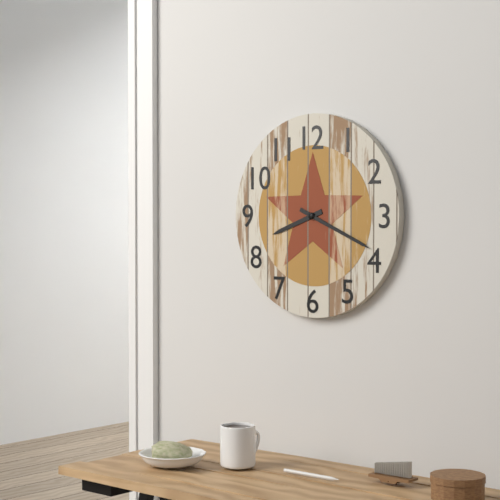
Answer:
h=8 m=19
